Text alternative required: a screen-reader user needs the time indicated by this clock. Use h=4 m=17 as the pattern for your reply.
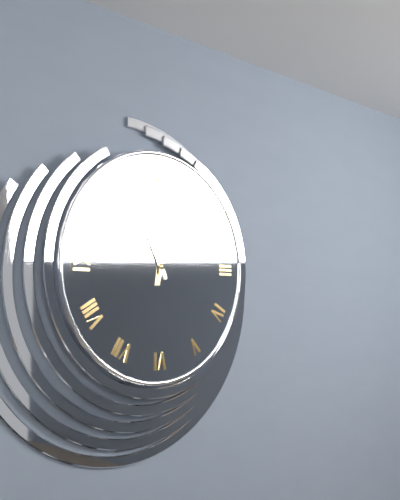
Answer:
h=11 m=2
